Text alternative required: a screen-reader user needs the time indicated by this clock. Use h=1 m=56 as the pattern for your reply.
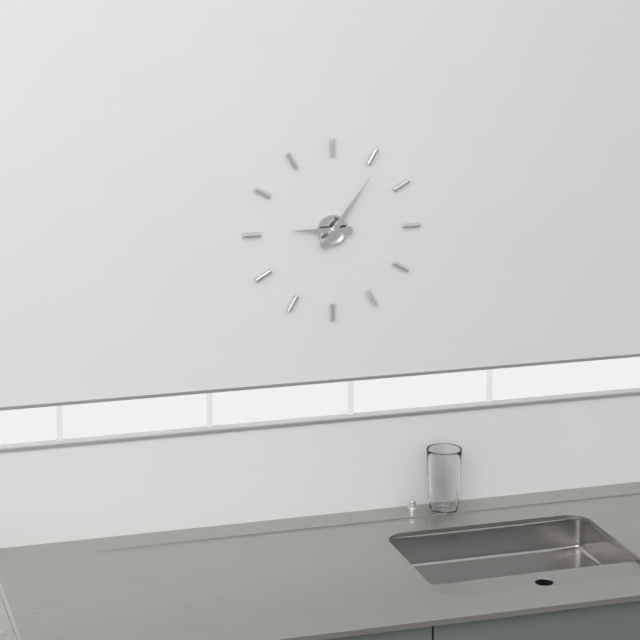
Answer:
h=9 m=6
